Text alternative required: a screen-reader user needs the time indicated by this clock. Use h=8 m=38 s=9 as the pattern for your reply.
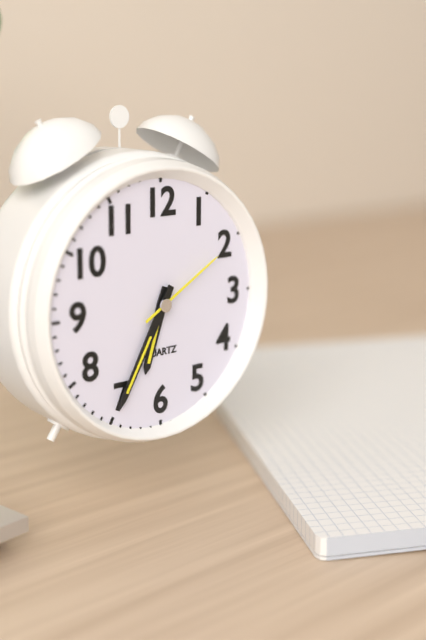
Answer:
h=6 m=35 s=10
